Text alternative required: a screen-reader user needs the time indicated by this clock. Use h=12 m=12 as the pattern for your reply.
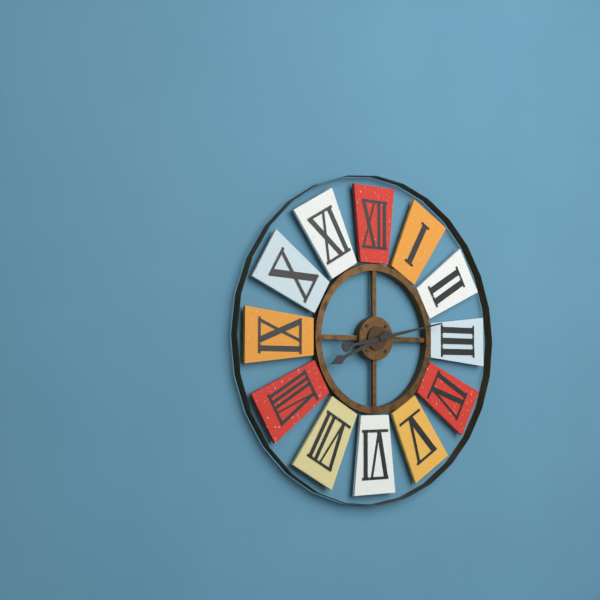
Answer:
h=8 m=13
